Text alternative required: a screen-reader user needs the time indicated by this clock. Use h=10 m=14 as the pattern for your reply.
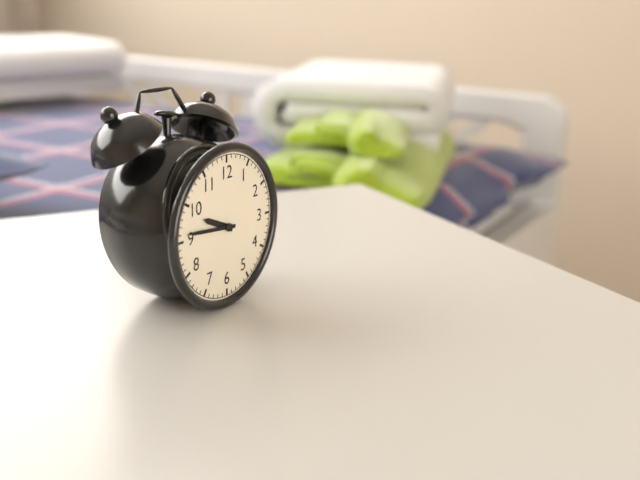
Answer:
h=9 m=46
